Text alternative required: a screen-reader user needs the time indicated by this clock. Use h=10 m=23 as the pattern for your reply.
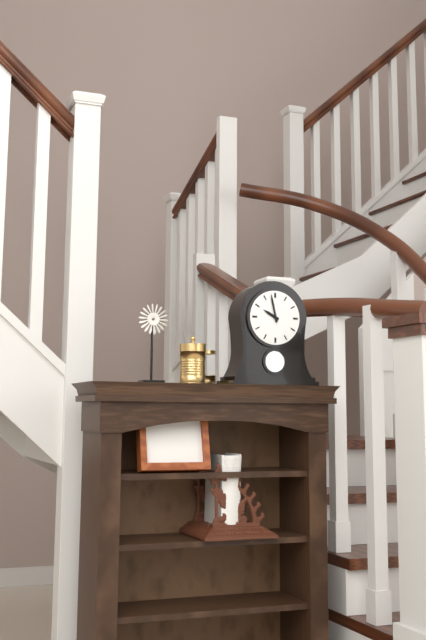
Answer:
h=9 m=58
